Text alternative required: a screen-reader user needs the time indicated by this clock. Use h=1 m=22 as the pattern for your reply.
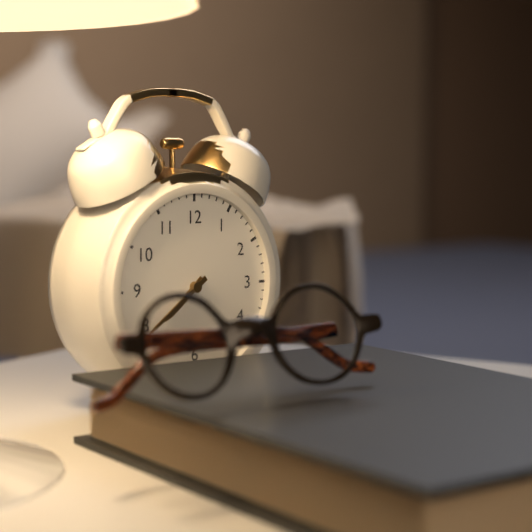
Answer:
h=7 m=39
